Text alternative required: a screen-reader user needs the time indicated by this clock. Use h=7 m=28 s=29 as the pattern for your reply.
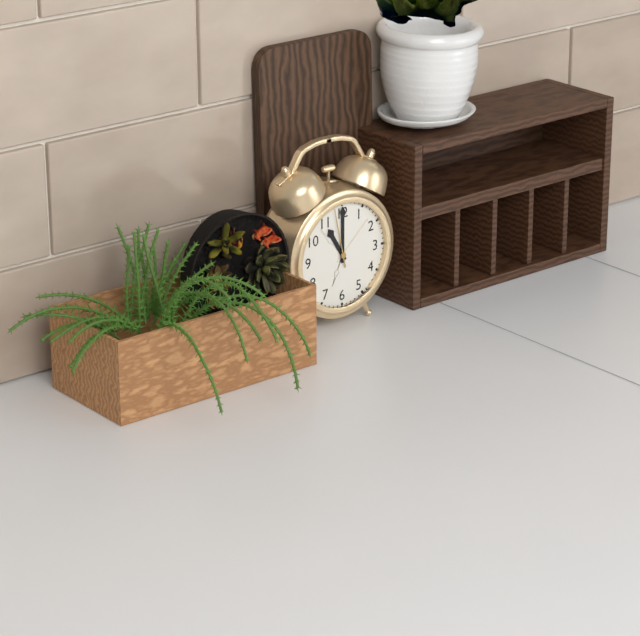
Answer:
h=11 m=0 s=58
